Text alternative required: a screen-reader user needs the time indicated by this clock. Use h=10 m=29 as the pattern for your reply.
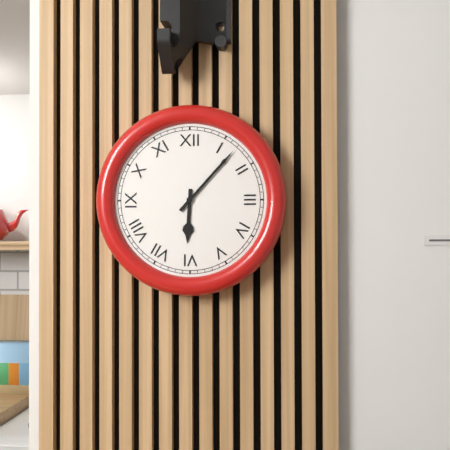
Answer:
h=6 m=7
